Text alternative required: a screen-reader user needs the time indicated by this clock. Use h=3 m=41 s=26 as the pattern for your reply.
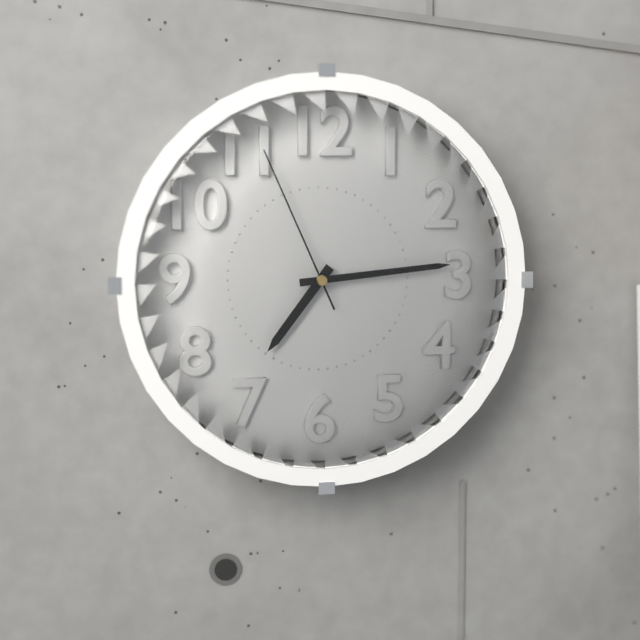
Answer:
h=7 m=14 s=56
